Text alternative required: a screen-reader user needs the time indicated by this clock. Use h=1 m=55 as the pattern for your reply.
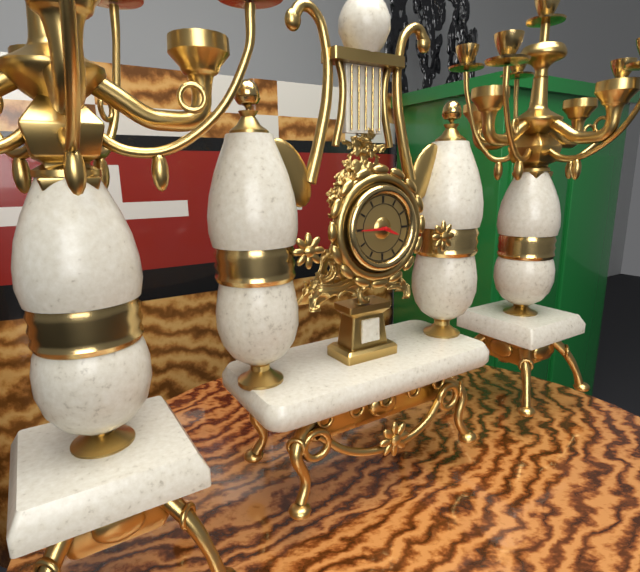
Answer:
h=3 m=45
